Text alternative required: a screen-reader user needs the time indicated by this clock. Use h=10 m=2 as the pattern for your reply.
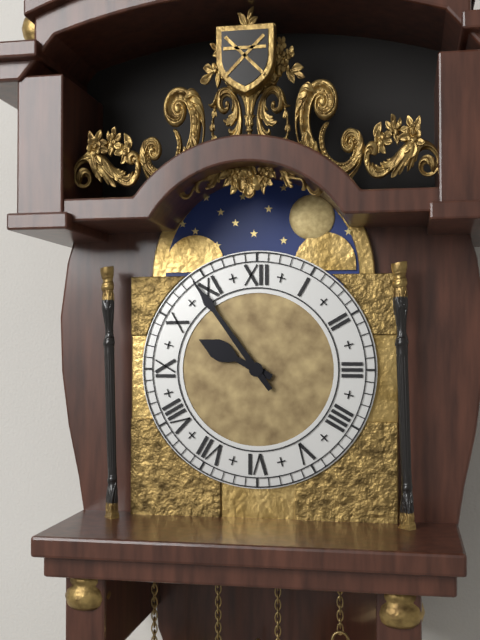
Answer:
h=9 m=54
